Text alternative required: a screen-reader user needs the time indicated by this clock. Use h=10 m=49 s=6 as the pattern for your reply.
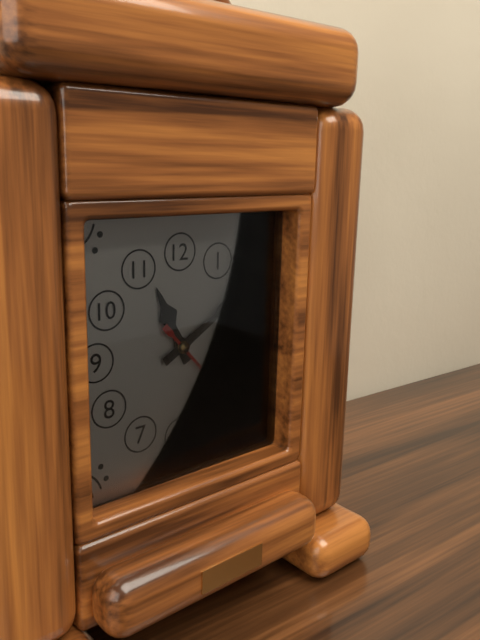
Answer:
h=11 m=10 s=23
